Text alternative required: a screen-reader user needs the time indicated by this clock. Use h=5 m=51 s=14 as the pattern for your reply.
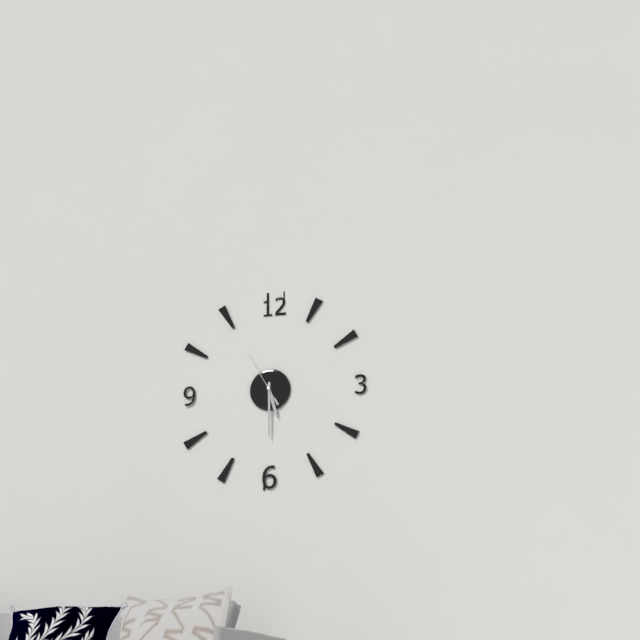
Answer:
h=5 m=30 s=55
